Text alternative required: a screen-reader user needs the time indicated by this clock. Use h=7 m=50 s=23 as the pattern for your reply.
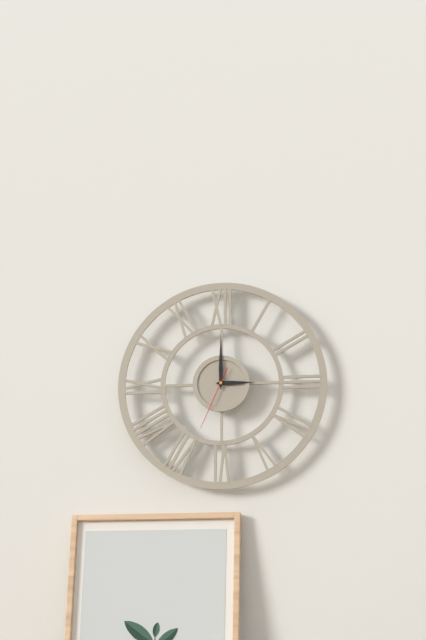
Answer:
h=3 m=0 s=34
